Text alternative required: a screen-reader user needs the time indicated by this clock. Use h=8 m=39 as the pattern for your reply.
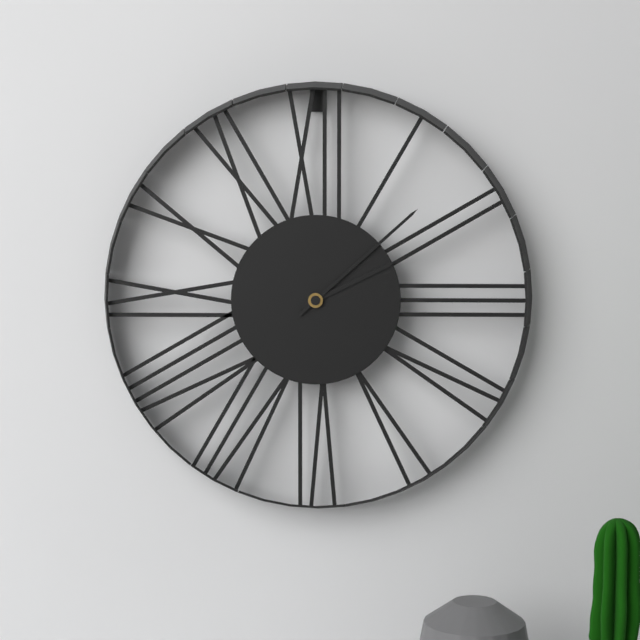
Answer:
h=2 m=8
